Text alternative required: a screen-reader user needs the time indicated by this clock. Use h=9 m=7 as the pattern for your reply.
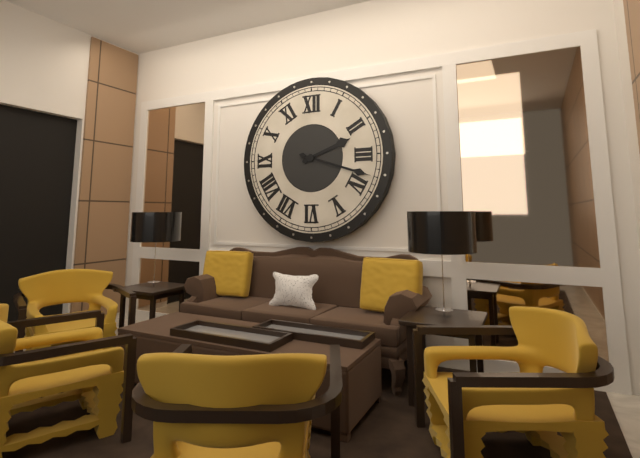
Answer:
h=2 m=18
